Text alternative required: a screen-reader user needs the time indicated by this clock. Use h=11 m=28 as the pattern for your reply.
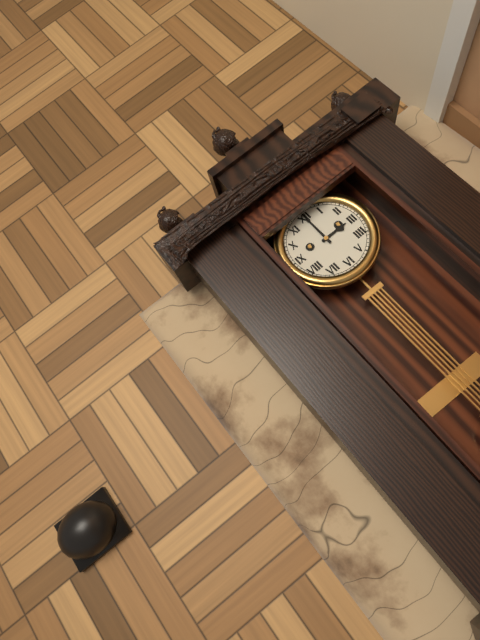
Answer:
h=3 m=0
